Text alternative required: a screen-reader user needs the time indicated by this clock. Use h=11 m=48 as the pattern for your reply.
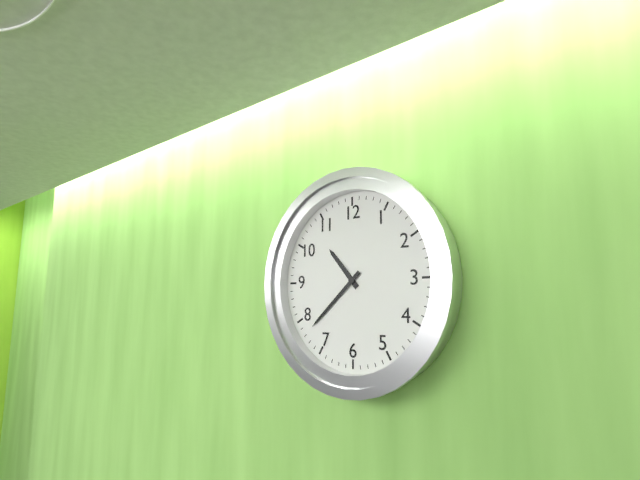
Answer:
h=10 m=38
